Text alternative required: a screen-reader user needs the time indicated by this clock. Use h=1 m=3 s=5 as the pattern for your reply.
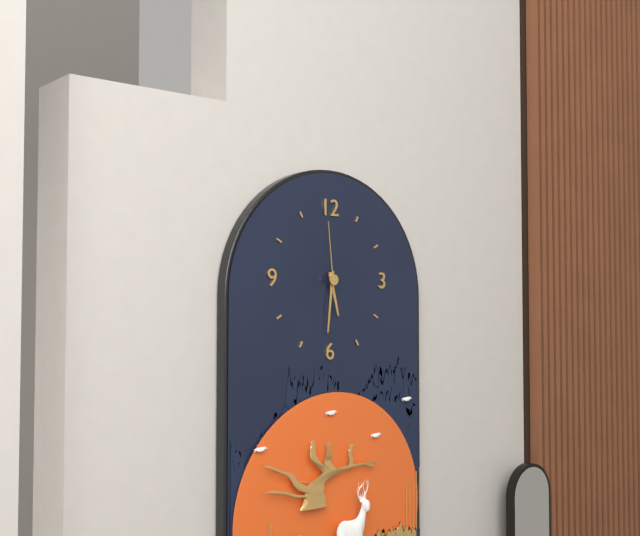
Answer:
h=5 m=31 s=59
